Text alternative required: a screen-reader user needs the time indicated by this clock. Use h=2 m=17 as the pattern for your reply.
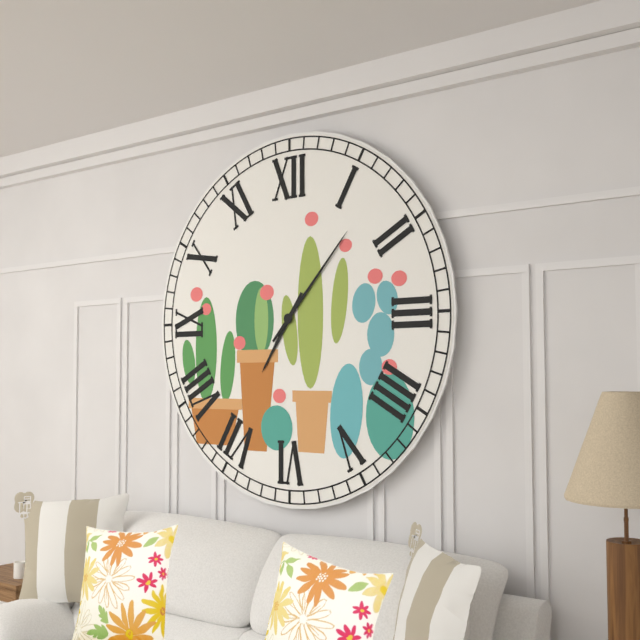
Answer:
h=7 m=7
